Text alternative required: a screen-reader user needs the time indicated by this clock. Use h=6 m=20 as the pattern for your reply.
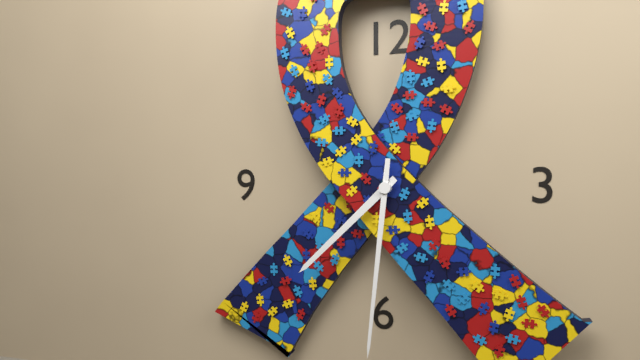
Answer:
h=7 m=31
